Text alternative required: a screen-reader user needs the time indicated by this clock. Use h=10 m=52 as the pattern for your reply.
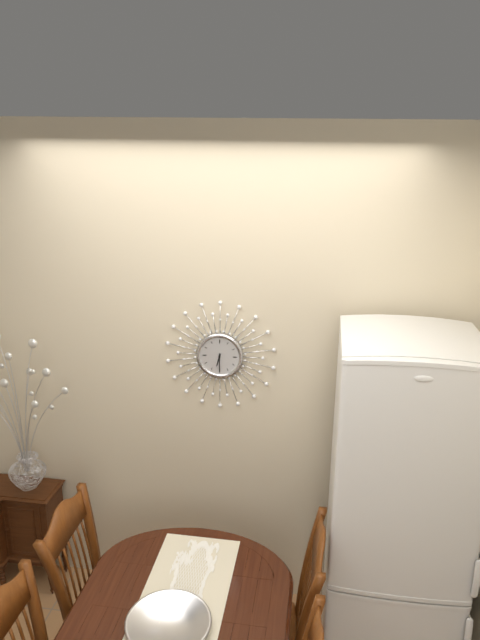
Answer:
h=6 m=30
